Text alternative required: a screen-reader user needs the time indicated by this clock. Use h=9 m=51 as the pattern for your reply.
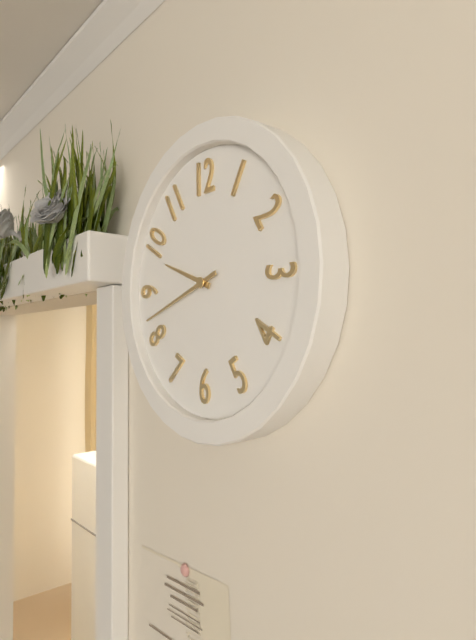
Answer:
h=9 m=42
